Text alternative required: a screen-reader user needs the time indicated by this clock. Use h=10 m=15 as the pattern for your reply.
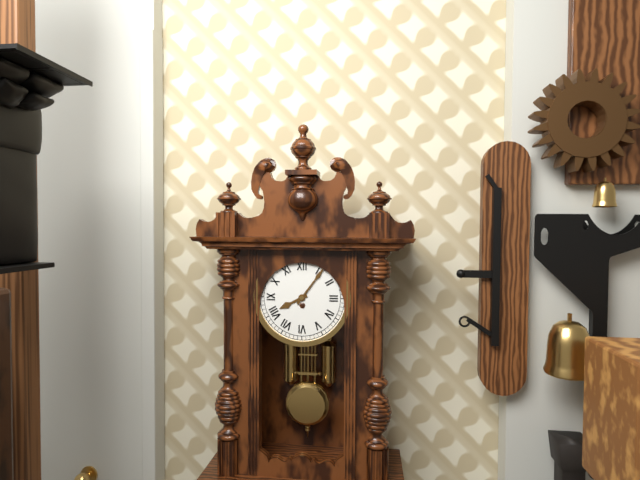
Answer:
h=8 m=6
